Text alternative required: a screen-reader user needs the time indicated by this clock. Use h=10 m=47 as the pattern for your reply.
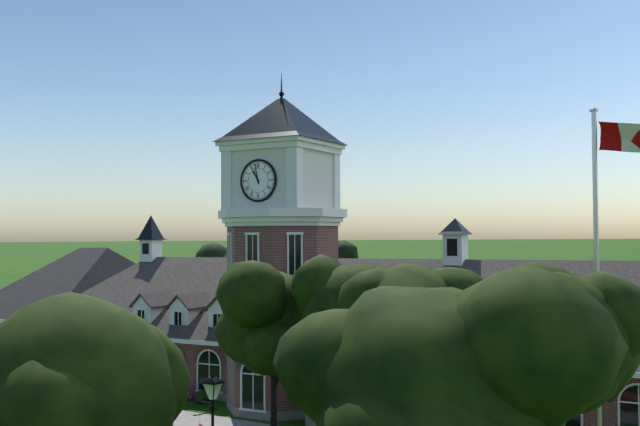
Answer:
h=10 m=58
